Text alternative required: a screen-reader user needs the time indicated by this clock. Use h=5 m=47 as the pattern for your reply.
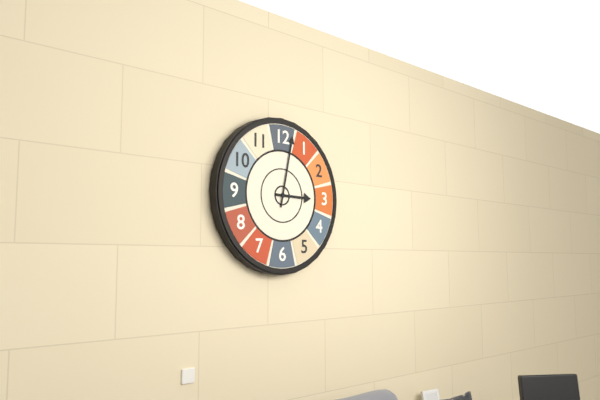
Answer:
h=3 m=2
